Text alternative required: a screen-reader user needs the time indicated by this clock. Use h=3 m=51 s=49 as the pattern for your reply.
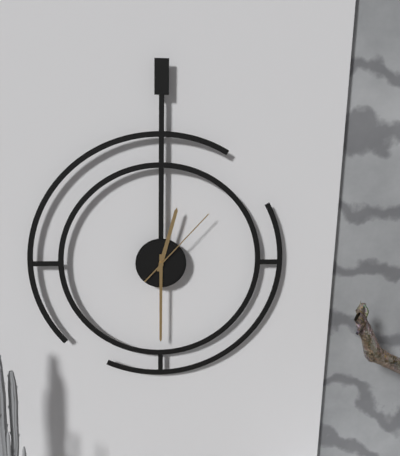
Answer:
h=12 m=30 s=7
